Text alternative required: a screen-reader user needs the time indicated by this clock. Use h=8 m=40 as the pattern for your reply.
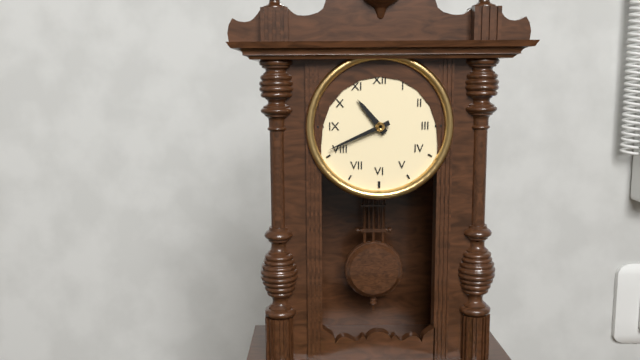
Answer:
h=10 m=41
